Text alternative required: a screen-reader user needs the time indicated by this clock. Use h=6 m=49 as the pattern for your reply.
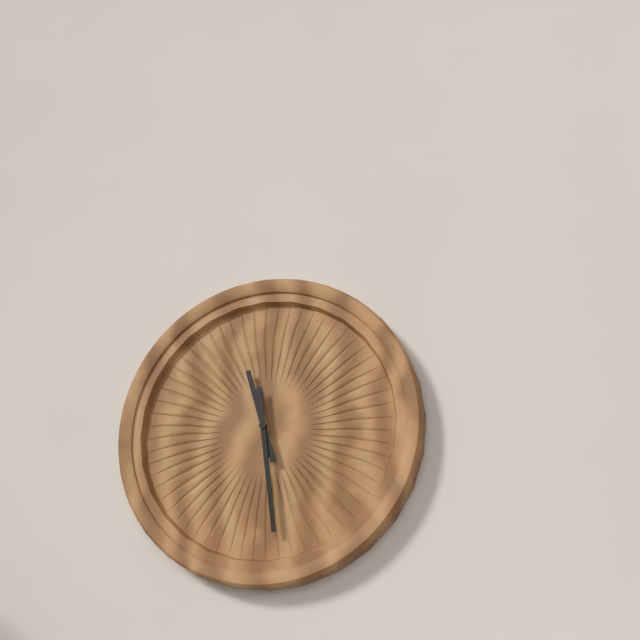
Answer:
h=11 m=29
